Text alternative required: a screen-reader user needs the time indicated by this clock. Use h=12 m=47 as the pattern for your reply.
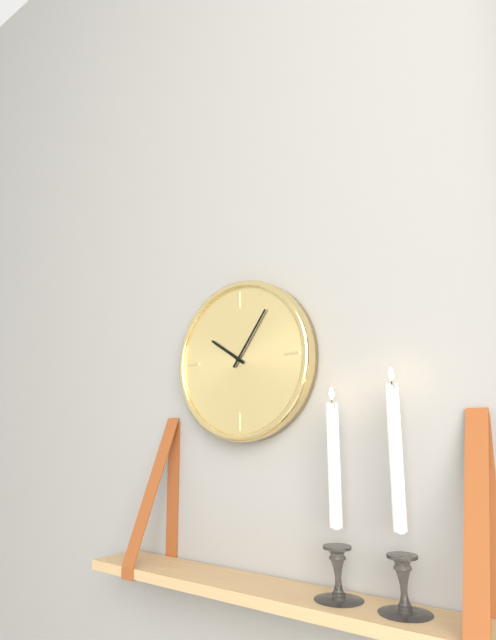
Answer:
h=10 m=6
